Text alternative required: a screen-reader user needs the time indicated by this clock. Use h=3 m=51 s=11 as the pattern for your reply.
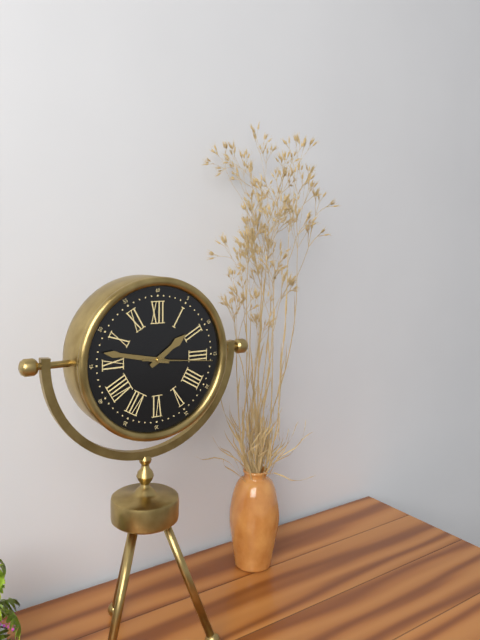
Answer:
h=1 m=47 s=16
